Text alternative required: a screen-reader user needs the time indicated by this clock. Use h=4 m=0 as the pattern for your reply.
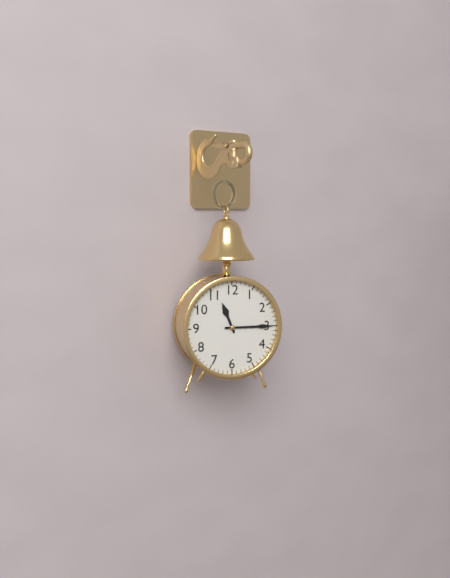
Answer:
h=11 m=15
